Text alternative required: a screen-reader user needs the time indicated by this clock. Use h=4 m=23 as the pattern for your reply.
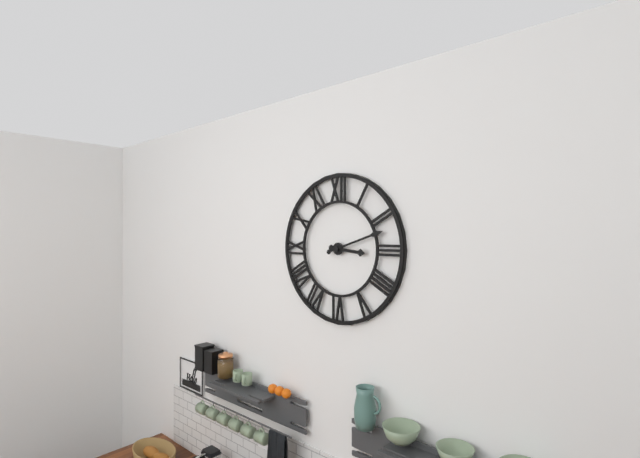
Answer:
h=3 m=12
